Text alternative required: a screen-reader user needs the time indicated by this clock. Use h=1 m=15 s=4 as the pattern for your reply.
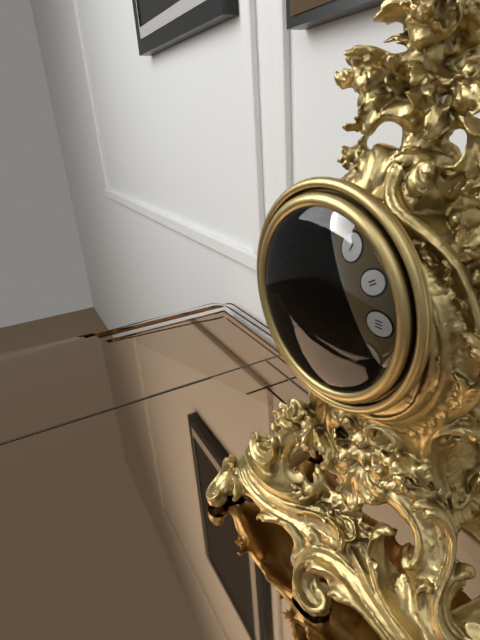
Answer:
h=6 m=31 s=45
